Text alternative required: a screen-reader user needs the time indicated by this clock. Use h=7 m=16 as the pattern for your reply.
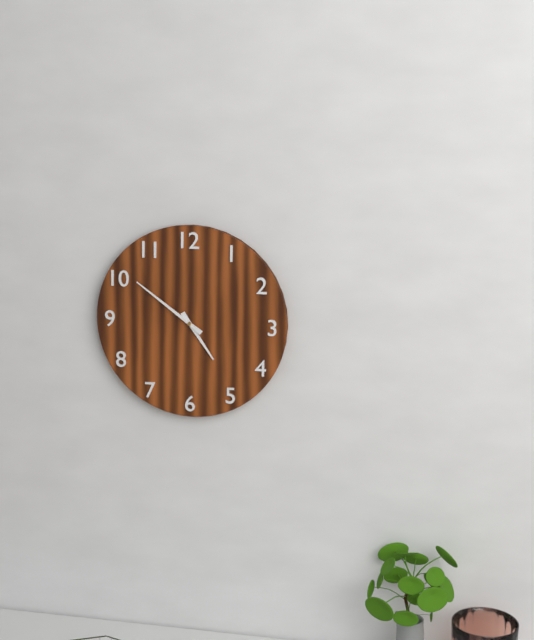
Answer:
h=4 m=51
